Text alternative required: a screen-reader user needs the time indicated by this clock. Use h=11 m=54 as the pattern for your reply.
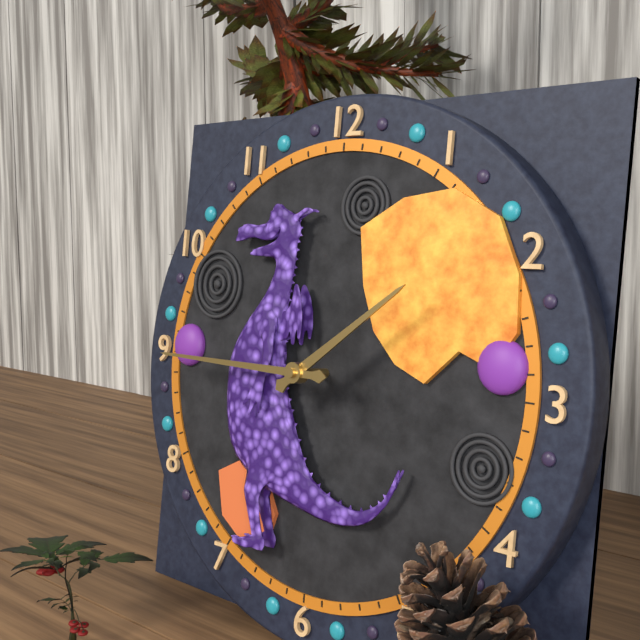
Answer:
h=1 m=45
